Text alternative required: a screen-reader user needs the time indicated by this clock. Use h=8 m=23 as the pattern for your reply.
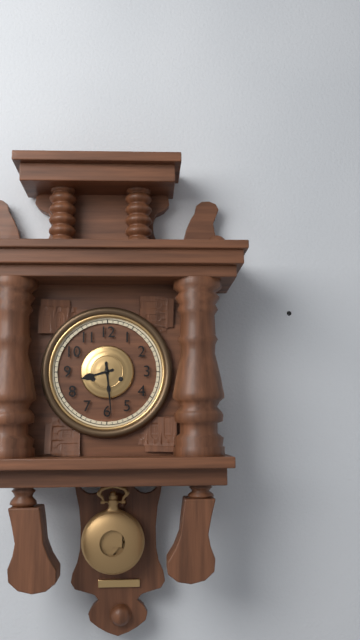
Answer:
h=8 m=29
